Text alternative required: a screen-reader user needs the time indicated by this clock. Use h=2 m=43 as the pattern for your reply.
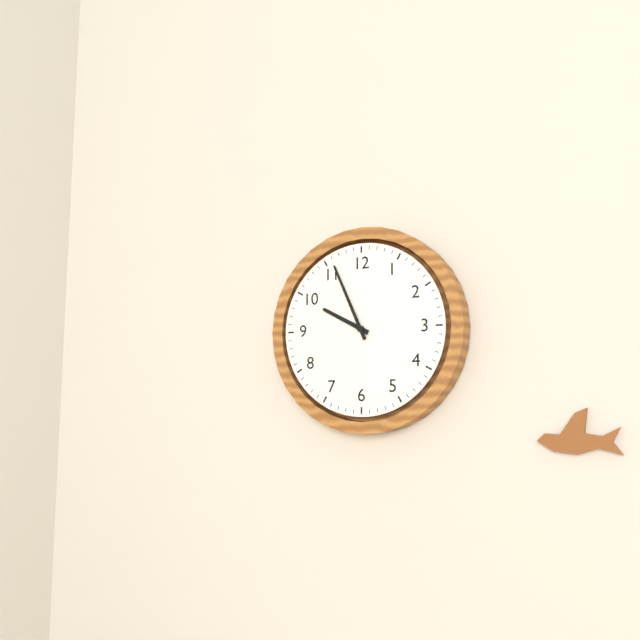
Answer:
h=9 m=56
